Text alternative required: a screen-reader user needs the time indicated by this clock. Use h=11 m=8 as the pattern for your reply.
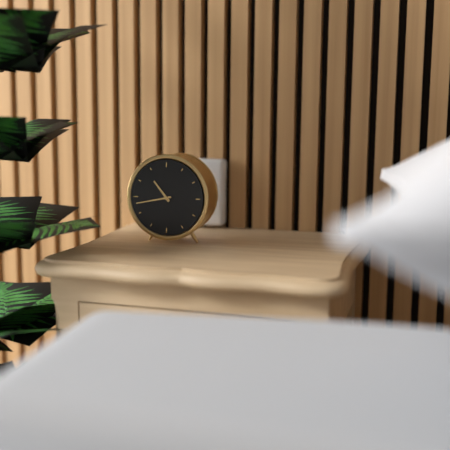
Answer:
h=10 m=43
